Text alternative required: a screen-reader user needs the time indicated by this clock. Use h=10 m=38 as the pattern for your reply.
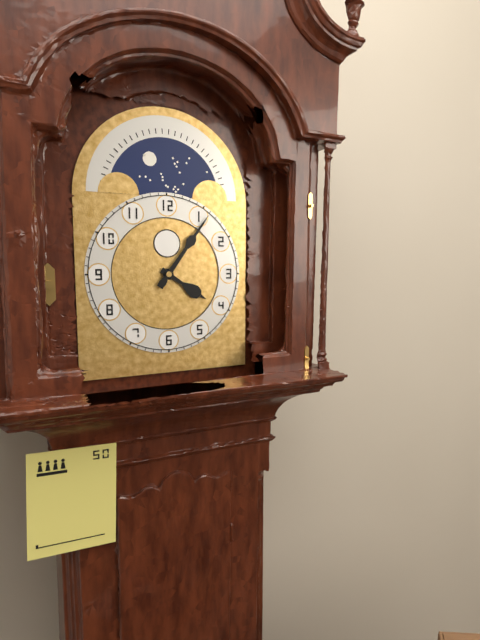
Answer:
h=4 m=6
